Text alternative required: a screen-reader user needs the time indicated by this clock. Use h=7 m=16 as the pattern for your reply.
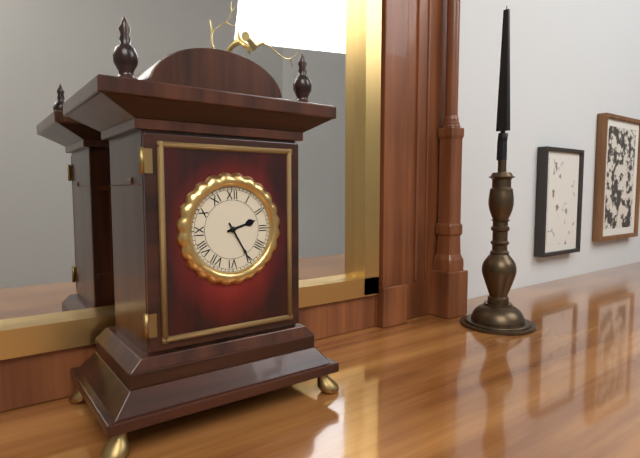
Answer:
h=2 m=25
